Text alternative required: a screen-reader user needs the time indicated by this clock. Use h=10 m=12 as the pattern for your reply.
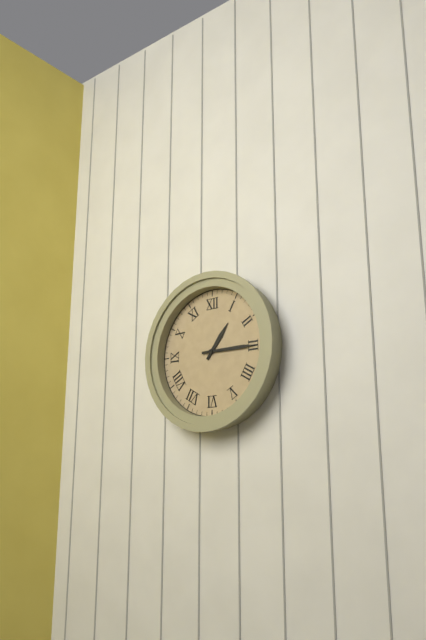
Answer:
h=1 m=15
